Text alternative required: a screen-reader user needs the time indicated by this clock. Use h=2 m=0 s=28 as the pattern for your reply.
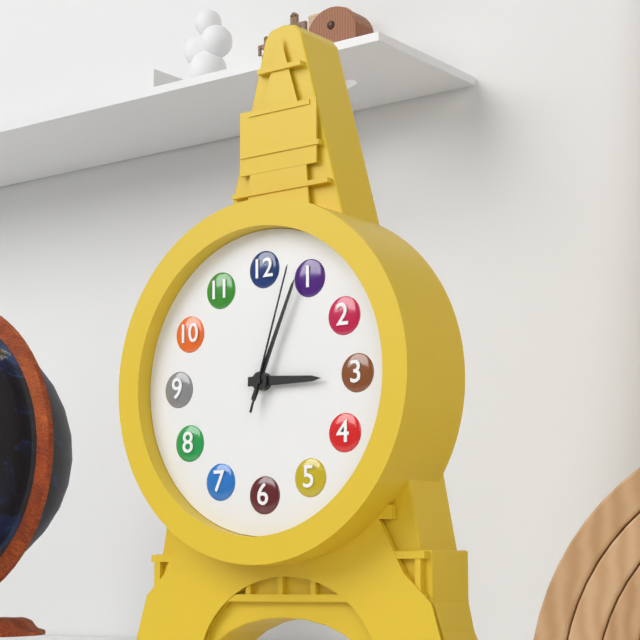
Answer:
h=3 m=4 s=3
